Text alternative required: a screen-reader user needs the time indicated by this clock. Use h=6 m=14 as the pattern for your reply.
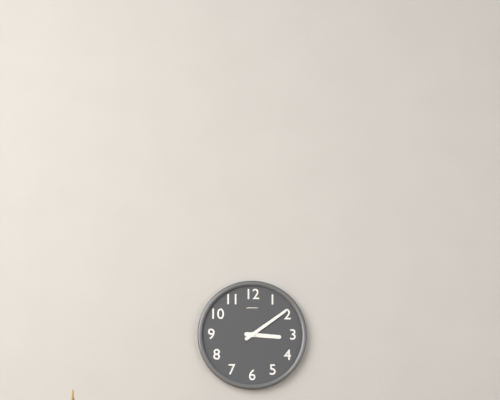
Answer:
h=3 m=9
